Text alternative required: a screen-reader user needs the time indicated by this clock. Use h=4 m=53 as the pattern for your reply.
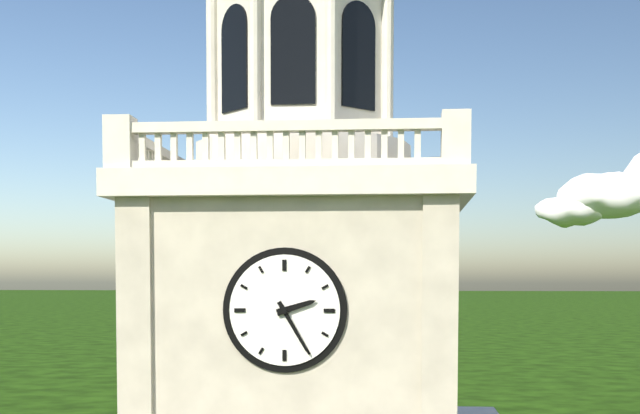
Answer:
h=2 m=25
